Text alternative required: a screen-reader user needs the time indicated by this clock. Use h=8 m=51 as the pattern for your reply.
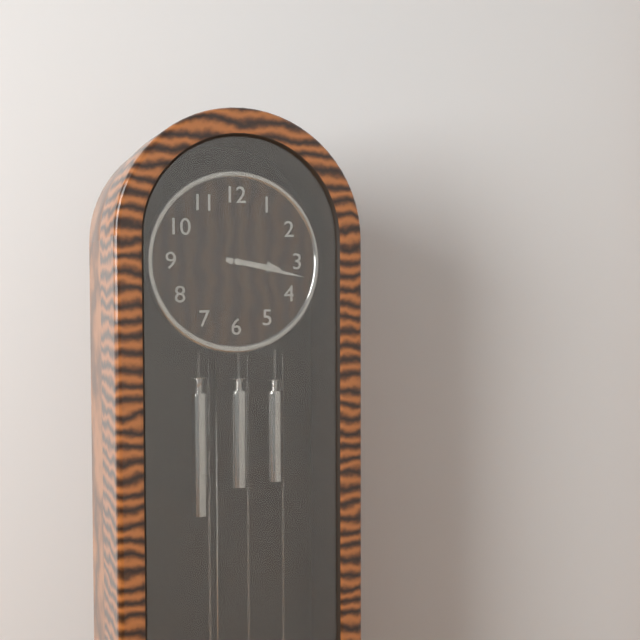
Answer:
h=3 m=17
